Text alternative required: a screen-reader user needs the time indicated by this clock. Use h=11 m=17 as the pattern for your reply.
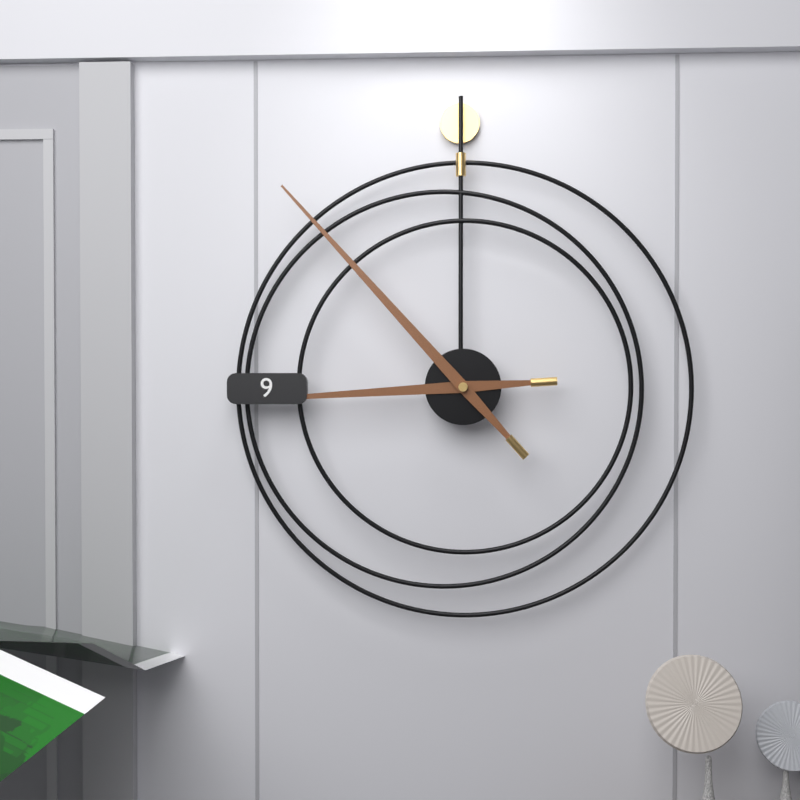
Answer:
h=8 m=53
